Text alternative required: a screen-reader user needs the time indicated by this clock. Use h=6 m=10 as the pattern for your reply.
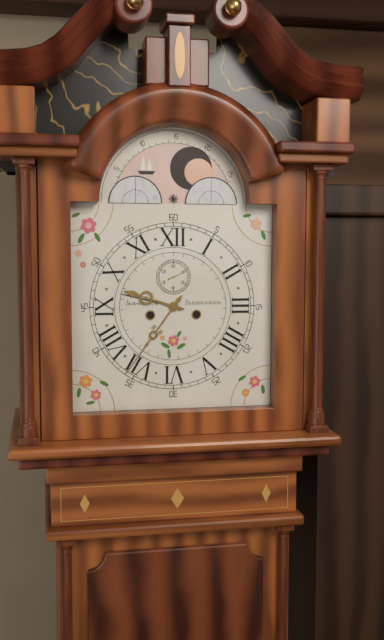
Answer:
h=9 m=36
